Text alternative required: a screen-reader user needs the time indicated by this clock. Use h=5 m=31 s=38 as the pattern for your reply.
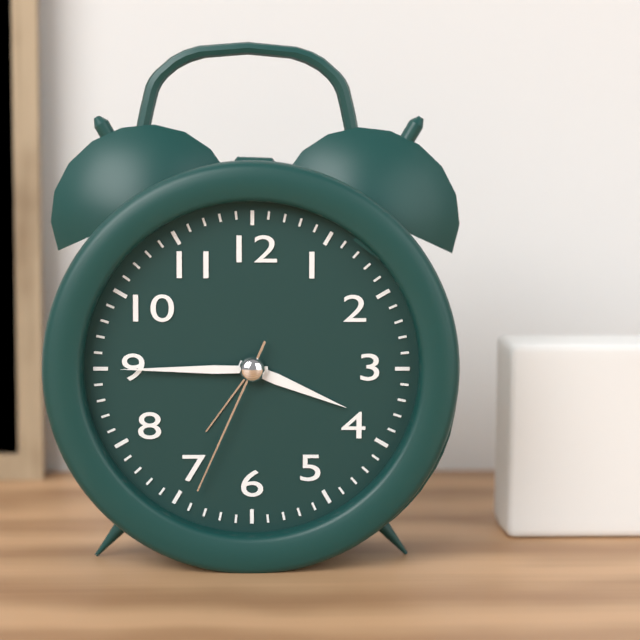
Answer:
h=3 m=45 s=34
